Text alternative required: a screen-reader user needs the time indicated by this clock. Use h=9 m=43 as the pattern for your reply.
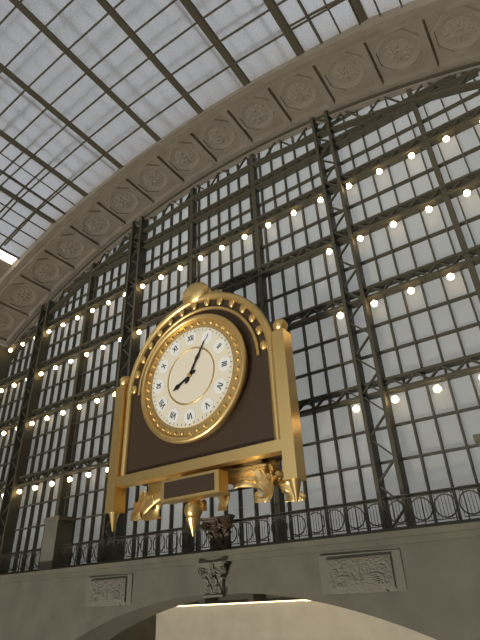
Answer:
h=8 m=5
